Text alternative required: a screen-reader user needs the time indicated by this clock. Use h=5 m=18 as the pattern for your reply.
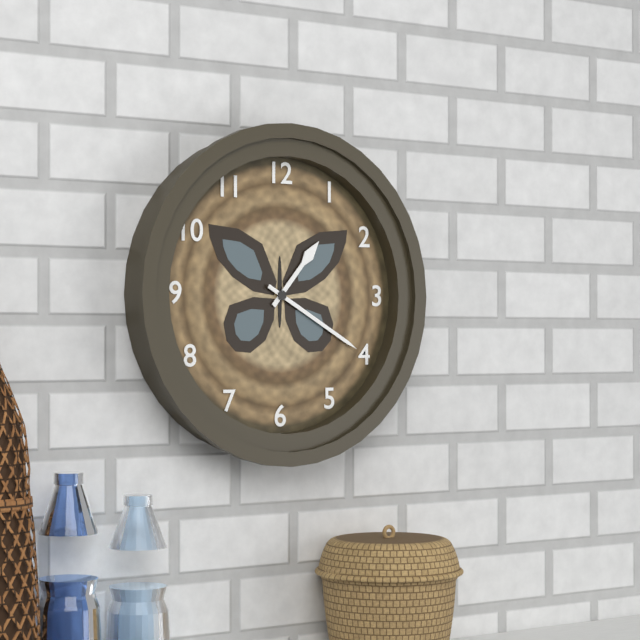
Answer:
h=1 m=20
